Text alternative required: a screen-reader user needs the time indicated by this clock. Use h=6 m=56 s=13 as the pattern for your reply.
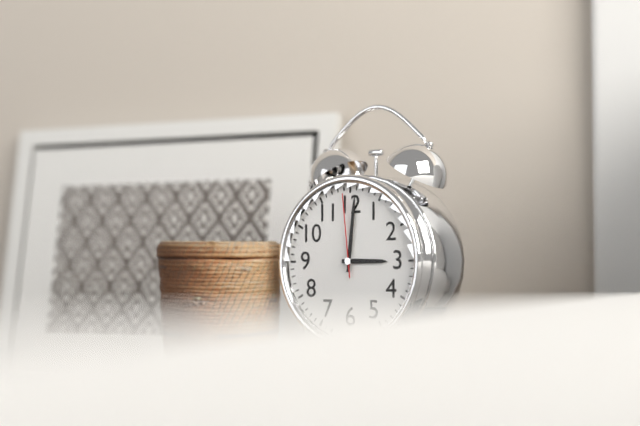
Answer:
h=3 m=1 s=59
